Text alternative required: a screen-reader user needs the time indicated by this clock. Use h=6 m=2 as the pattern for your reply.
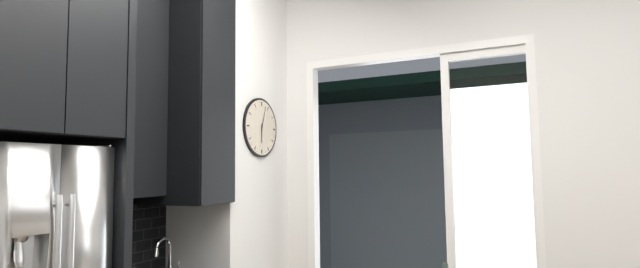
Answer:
h=6 m=3
